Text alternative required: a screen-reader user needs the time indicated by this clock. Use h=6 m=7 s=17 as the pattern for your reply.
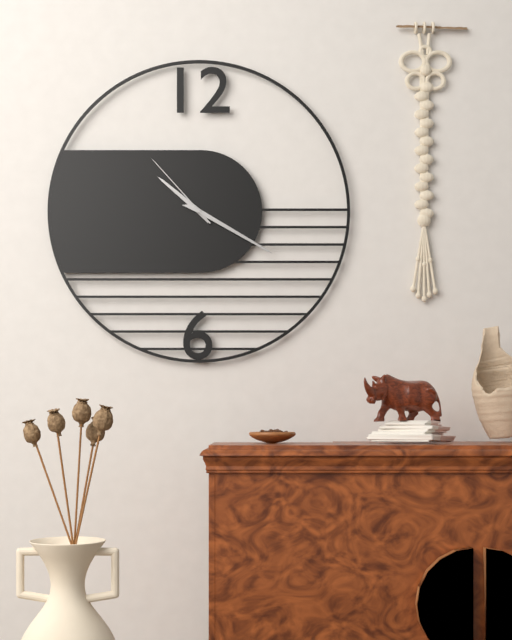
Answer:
h=10 m=20 s=53
